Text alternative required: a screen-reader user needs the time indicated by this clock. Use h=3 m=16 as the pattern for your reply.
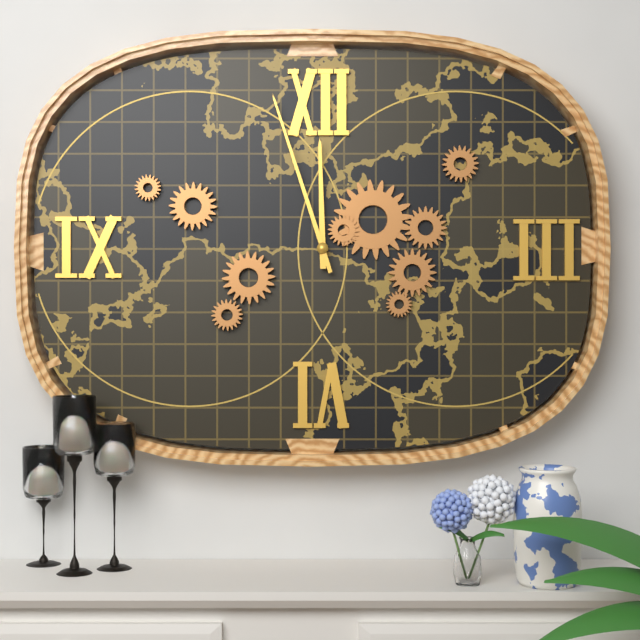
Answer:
h=11 m=57
